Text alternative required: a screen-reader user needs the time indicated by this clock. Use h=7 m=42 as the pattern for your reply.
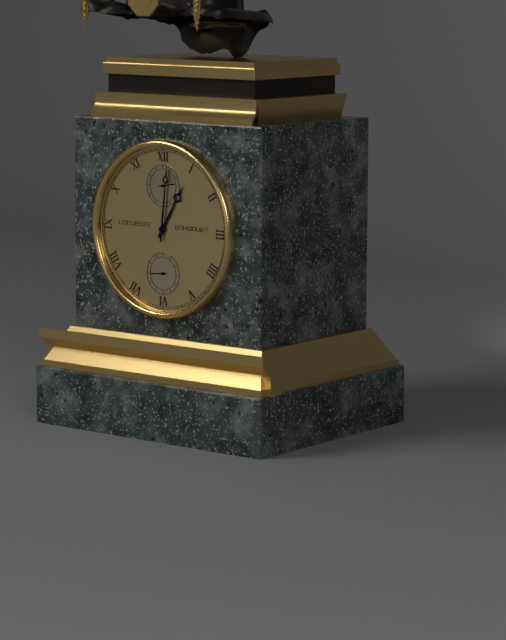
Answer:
h=1 m=1
